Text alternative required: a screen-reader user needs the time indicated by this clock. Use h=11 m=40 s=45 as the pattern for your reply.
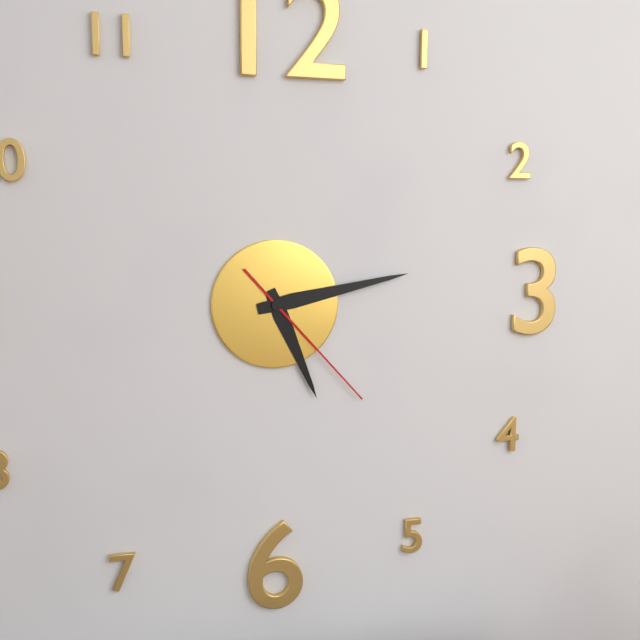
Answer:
h=5 m=13 s=23
